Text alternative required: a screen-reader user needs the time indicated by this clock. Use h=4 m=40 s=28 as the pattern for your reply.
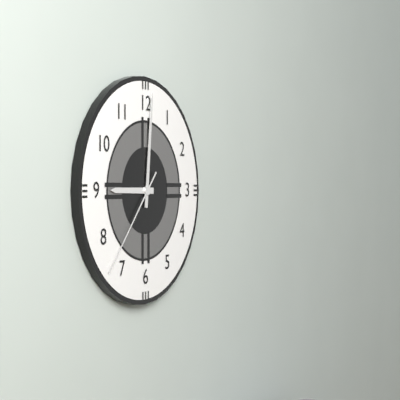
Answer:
h=9 m=1 s=37
